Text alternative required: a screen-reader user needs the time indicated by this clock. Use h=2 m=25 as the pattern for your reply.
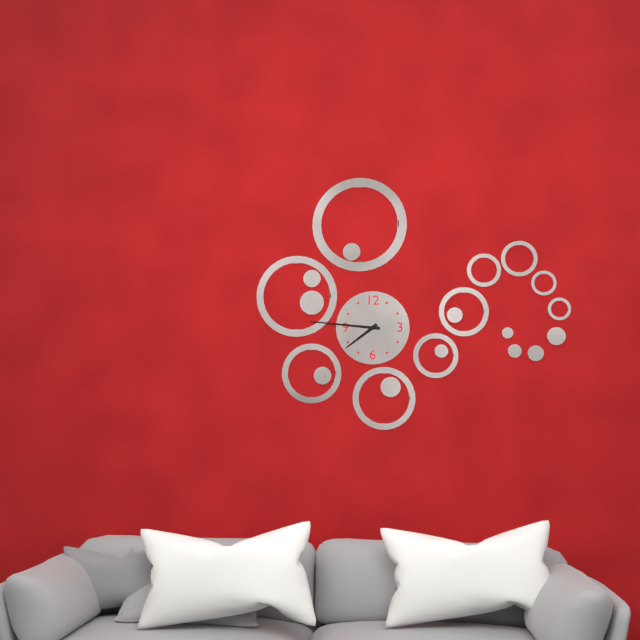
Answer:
h=7 m=46
